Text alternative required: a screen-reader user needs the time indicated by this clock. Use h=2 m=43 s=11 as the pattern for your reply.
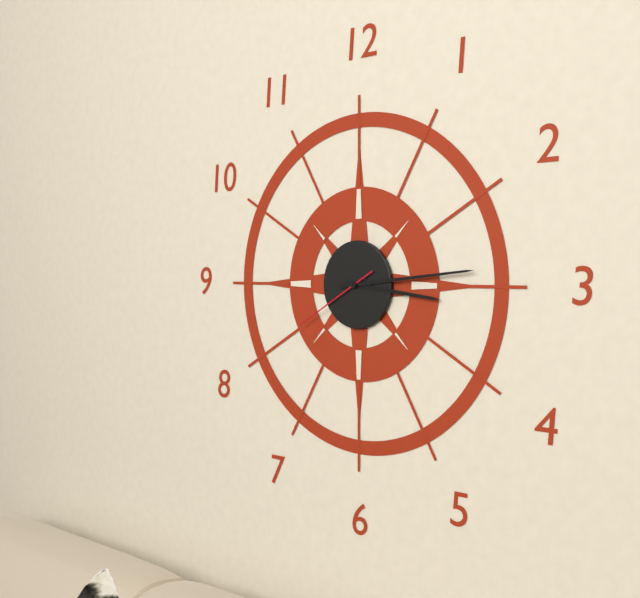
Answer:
h=3 m=14 s=40
